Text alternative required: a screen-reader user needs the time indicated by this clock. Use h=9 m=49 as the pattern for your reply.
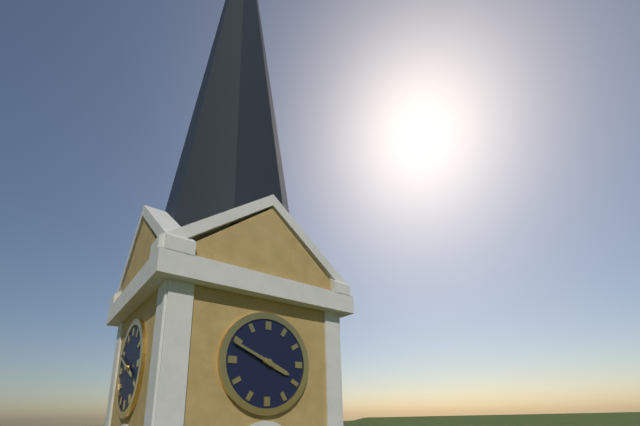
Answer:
h=3 m=49
